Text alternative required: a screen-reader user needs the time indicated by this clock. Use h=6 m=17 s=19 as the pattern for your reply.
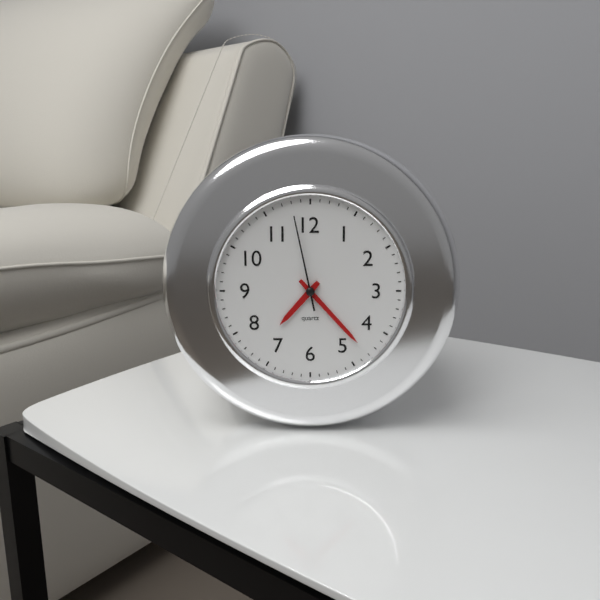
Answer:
h=7 m=23 s=58
